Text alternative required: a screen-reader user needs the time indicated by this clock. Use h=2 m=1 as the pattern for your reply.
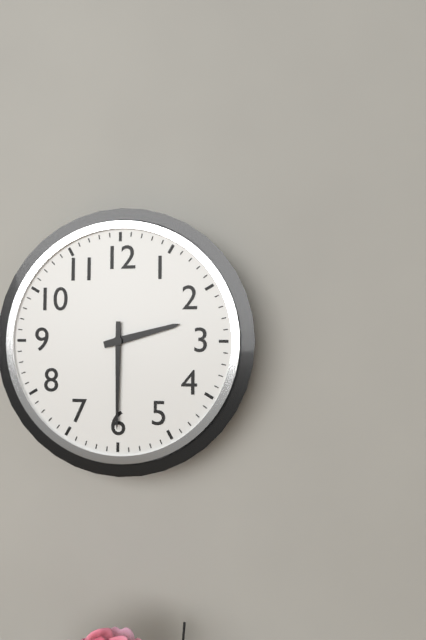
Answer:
h=2 m=30
